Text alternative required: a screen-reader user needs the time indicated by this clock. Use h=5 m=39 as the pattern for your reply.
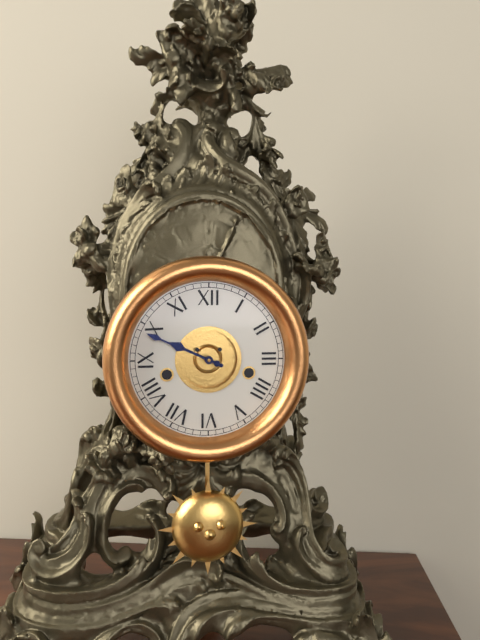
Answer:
h=9 m=49
